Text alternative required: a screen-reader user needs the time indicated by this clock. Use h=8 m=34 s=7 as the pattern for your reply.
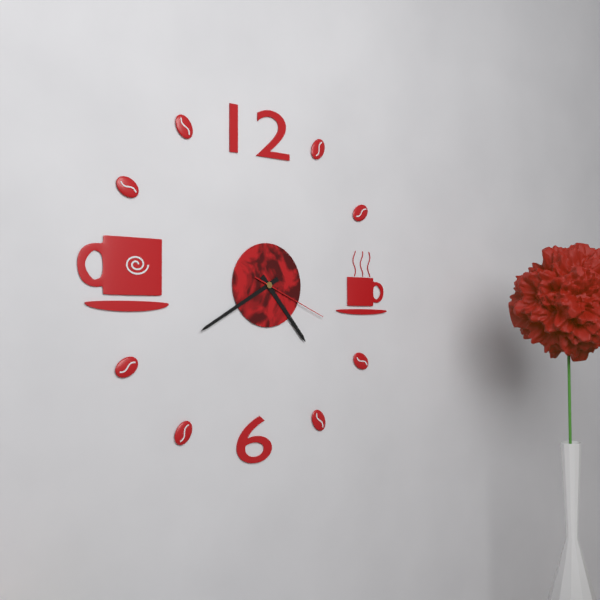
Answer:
h=4 m=40 s=19
